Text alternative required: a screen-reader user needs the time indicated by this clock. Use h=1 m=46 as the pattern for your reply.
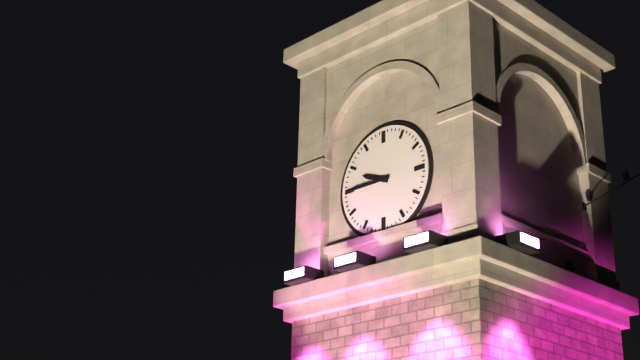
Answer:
h=9 m=45
